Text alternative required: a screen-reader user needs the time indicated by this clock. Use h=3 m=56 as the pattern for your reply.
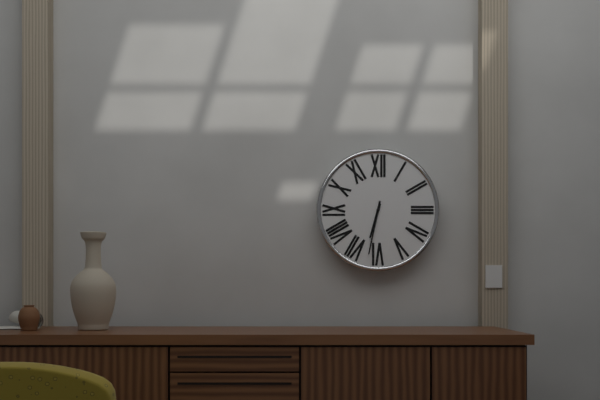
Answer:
h=6 m=32
